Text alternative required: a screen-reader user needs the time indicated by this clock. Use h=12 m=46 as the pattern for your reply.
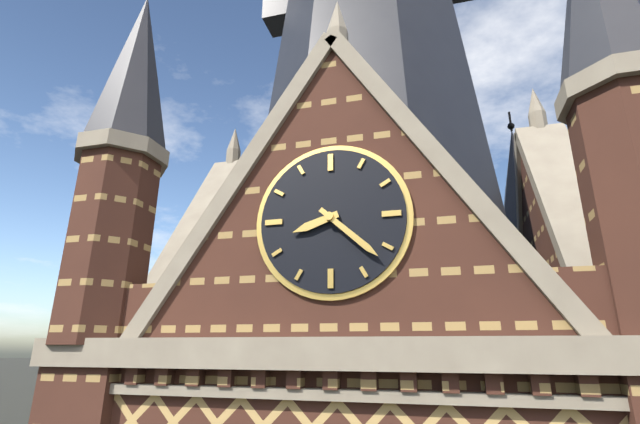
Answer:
h=8 m=22
